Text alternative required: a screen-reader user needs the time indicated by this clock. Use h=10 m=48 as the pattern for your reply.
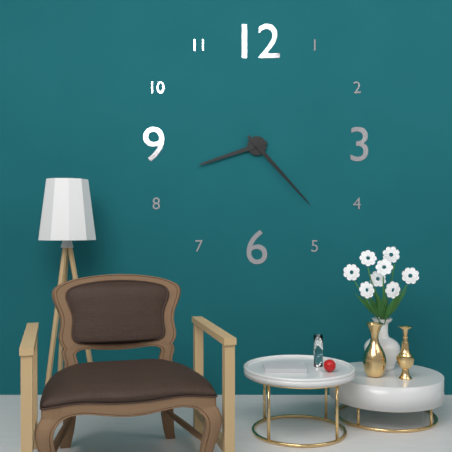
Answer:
h=8 m=23
